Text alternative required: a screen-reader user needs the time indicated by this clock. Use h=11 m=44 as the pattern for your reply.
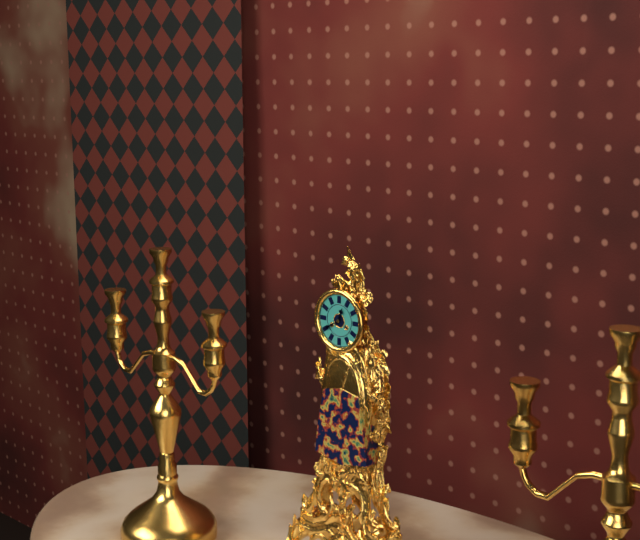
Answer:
h=12 m=40
